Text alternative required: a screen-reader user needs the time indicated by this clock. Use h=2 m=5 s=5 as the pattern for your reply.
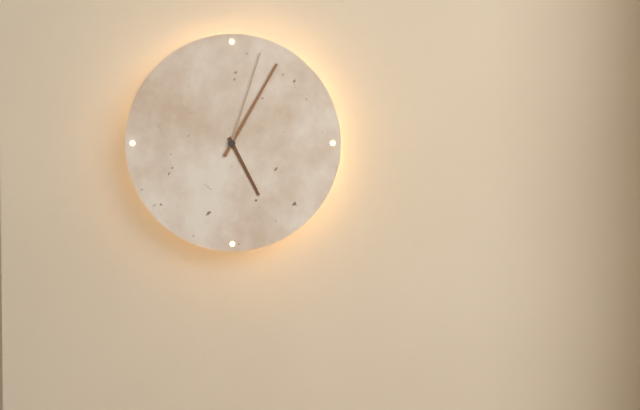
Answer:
h=5 m=5 s=3
